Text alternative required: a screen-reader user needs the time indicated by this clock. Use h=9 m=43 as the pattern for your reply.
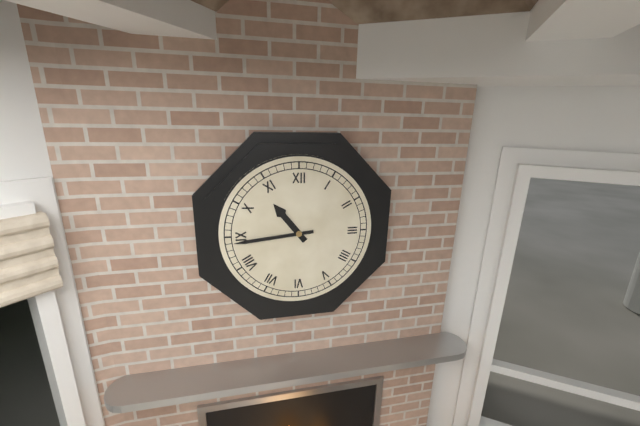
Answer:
h=10 m=44
